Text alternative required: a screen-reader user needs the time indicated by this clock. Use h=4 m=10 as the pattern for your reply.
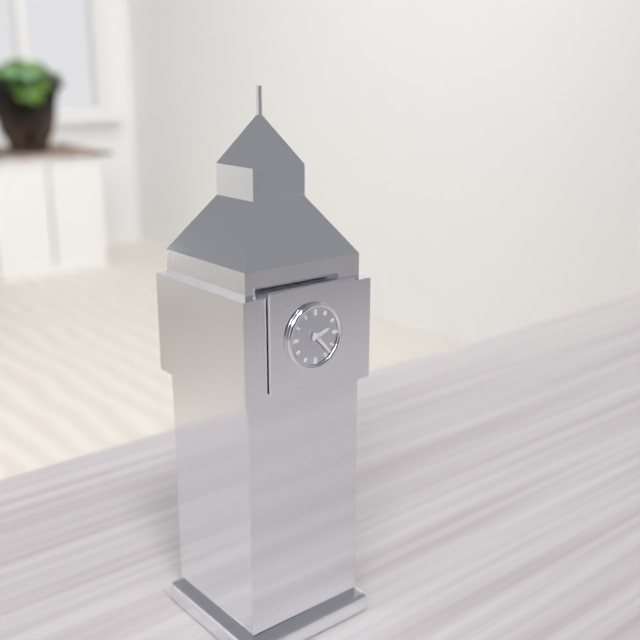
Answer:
h=2 m=23
